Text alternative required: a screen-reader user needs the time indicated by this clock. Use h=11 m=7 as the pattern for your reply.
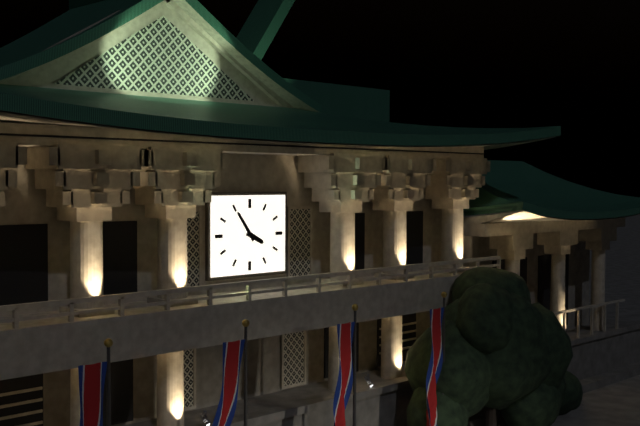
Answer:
h=3 m=54
